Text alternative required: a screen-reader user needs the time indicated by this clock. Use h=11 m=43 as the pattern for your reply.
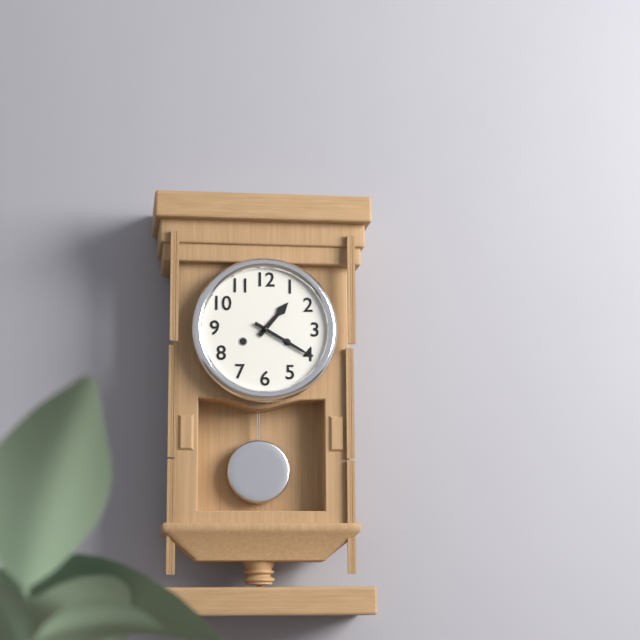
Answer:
h=1 m=20
